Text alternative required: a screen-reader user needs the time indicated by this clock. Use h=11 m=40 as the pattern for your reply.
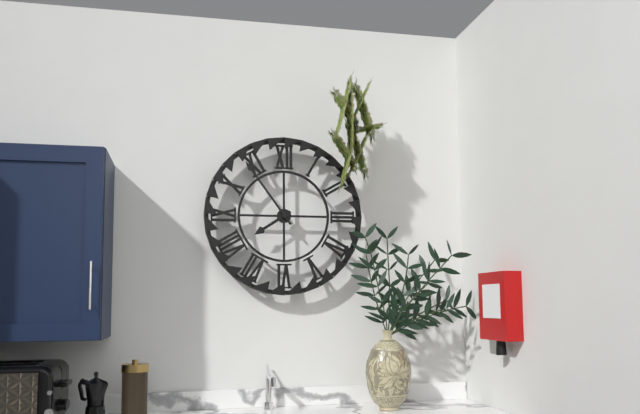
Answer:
h=7 m=54
